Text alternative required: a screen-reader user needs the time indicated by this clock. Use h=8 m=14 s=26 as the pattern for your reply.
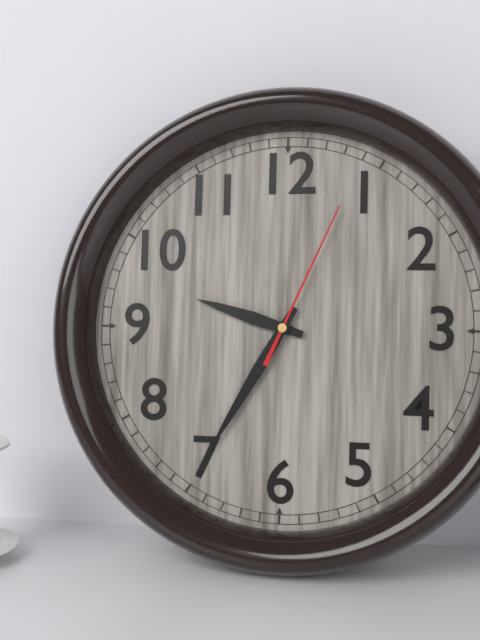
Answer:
h=9 m=35 s=4
